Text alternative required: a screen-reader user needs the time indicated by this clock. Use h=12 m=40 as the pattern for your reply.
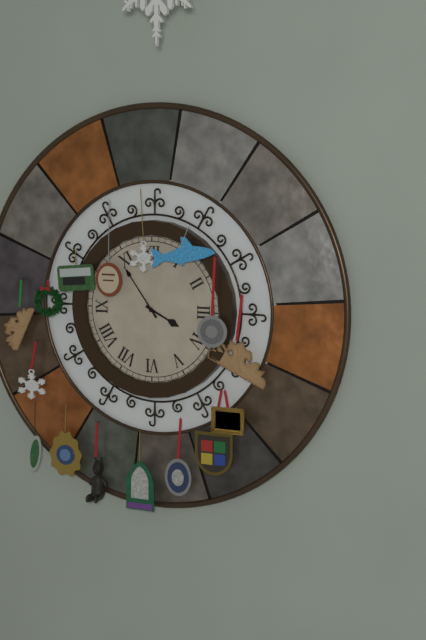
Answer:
h=3 m=54
